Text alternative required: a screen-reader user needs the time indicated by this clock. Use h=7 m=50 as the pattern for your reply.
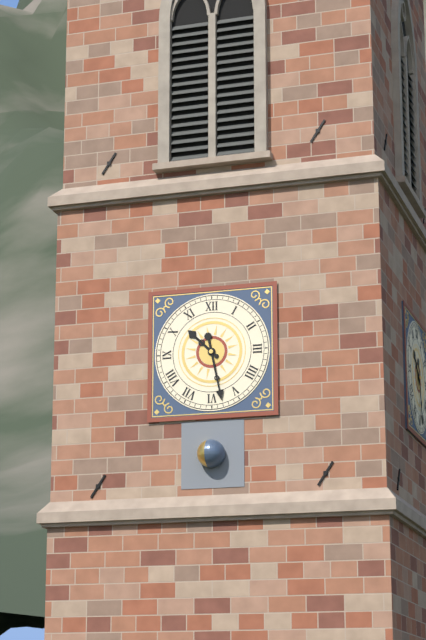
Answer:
h=10 m=28
